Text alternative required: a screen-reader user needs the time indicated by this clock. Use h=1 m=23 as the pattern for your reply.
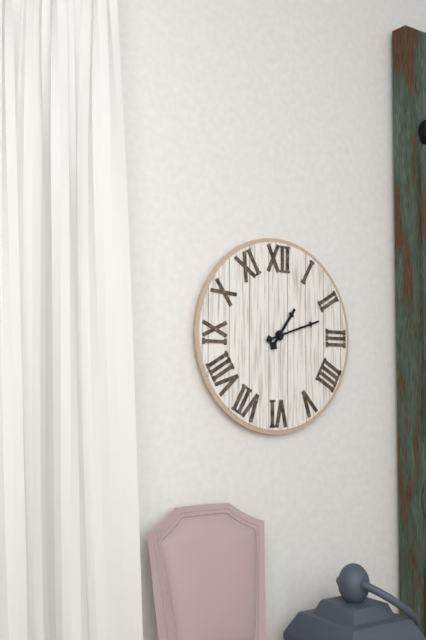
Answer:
h=1 m=12
